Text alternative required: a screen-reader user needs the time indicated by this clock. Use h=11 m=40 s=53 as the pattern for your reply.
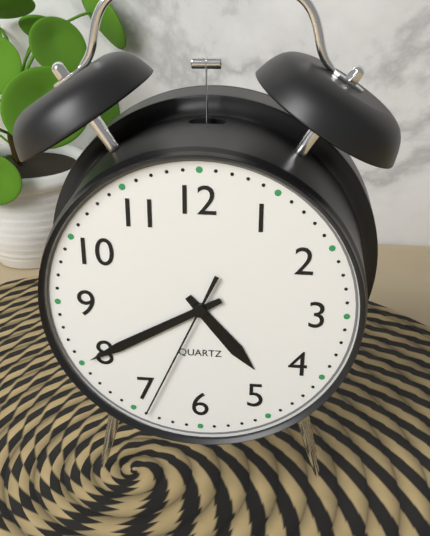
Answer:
h=4 m=40 s=34
